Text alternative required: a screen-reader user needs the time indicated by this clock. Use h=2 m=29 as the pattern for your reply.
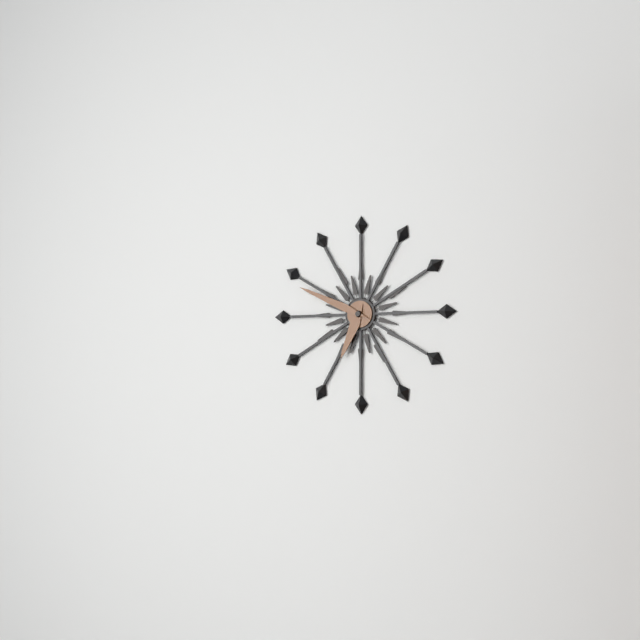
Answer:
h=6 m=49
